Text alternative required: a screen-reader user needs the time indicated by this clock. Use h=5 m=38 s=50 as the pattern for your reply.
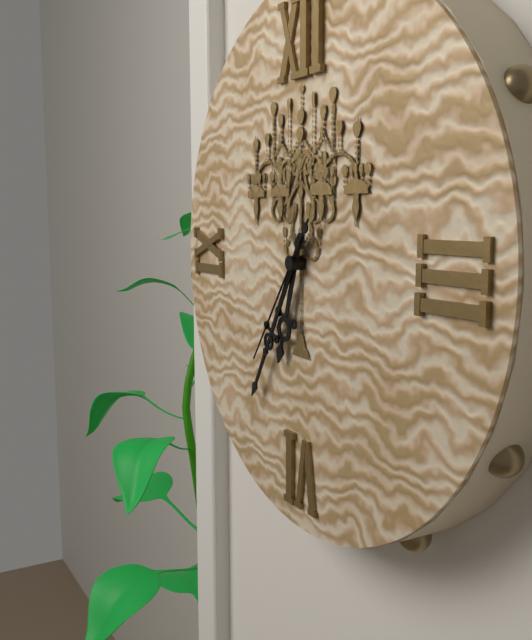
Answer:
h=6 m=35 s=36
